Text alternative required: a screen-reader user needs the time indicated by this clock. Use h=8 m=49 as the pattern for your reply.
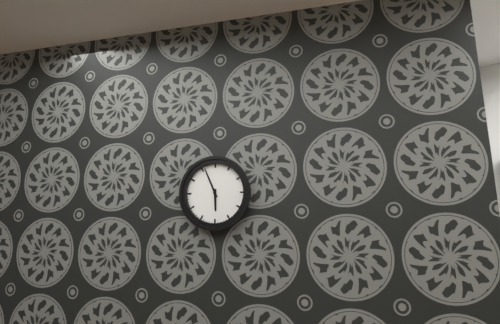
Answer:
h=5 m=56
